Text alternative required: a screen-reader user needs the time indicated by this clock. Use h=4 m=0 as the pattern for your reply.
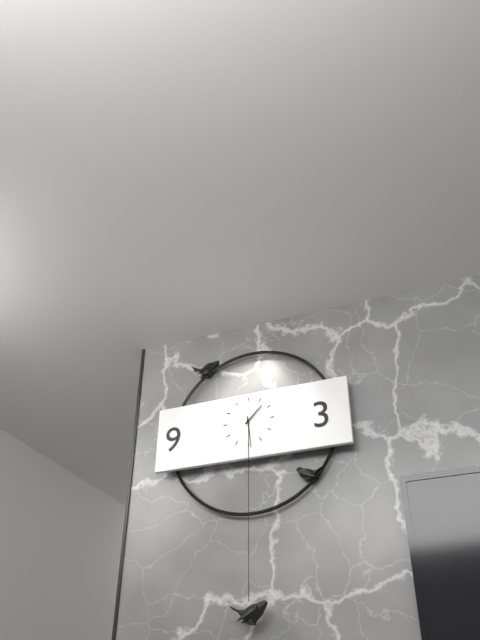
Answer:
h=1 m=29
